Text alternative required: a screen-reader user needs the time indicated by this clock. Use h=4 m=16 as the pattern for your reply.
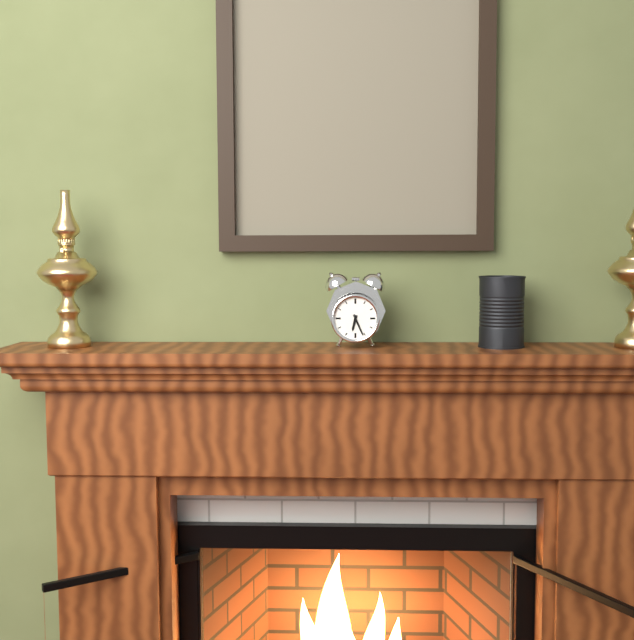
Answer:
h=6 m=26
